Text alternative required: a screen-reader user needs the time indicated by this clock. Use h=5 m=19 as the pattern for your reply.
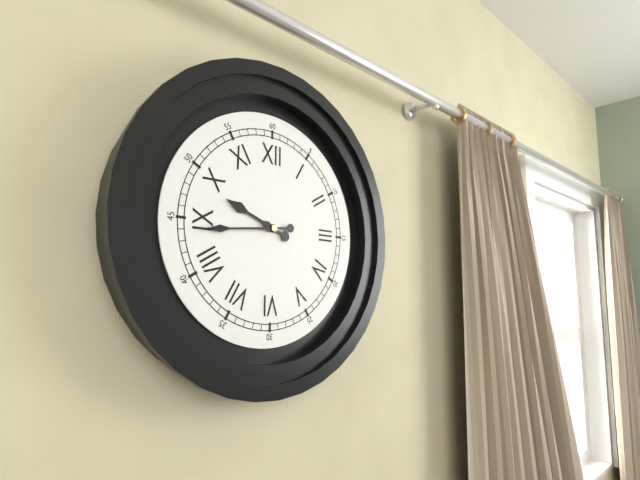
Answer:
h=9 m=44
